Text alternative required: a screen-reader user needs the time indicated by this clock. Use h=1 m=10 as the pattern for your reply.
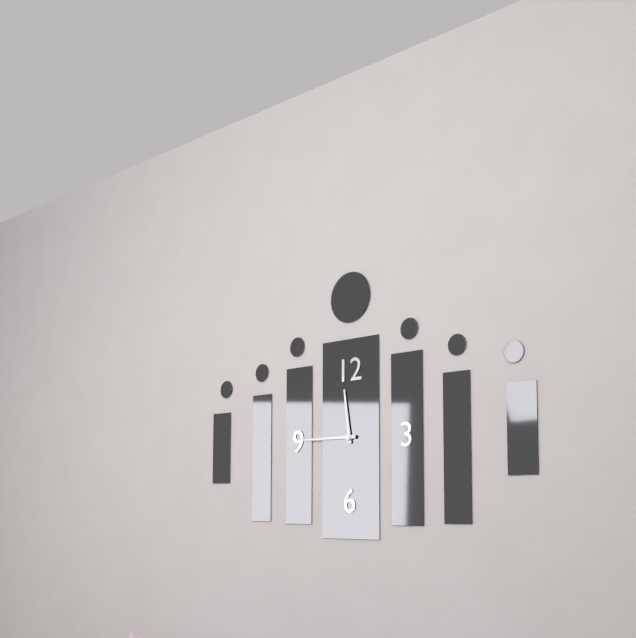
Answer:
h=11 m=45
